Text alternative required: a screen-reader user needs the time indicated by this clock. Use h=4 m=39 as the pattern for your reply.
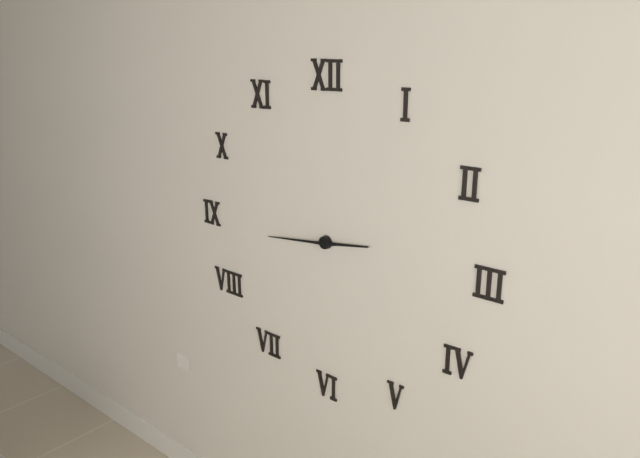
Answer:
h=2 m=44
